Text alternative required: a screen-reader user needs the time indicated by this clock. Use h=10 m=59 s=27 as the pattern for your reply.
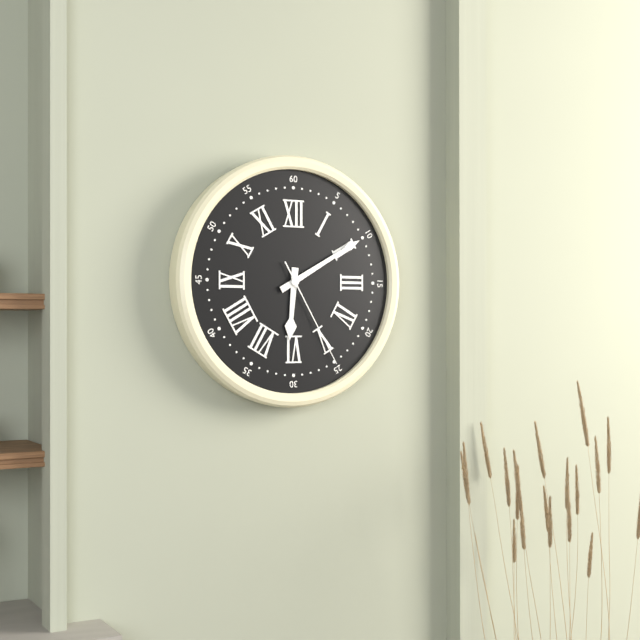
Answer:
h=6 m=10 s=25
